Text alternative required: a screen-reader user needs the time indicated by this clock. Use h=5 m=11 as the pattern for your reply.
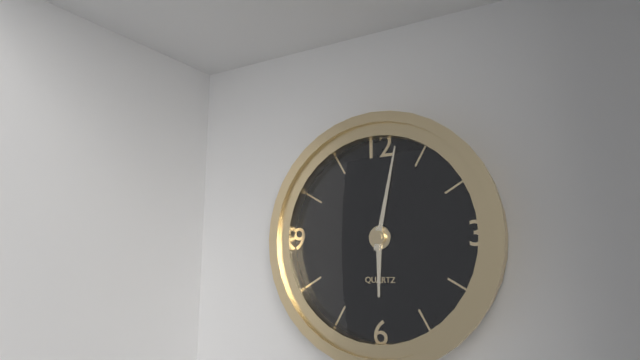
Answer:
h=6 m=2
